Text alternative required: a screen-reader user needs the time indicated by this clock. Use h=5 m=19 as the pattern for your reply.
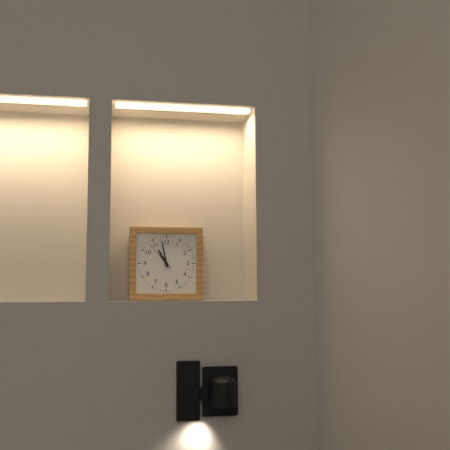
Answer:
h=10 m=58
